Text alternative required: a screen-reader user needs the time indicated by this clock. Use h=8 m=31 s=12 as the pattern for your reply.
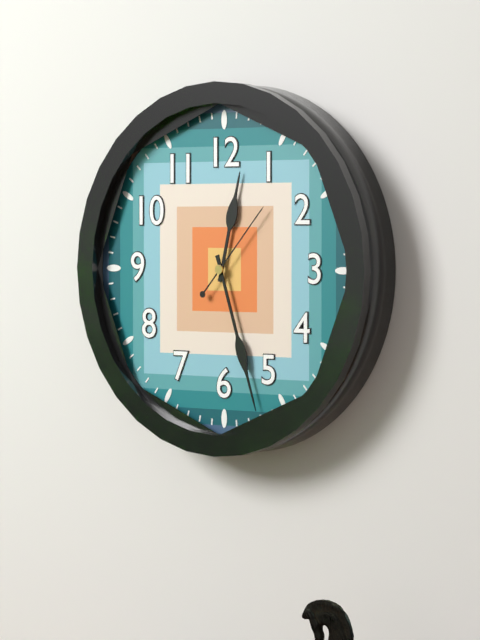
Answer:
h=12 m=27 s=7
